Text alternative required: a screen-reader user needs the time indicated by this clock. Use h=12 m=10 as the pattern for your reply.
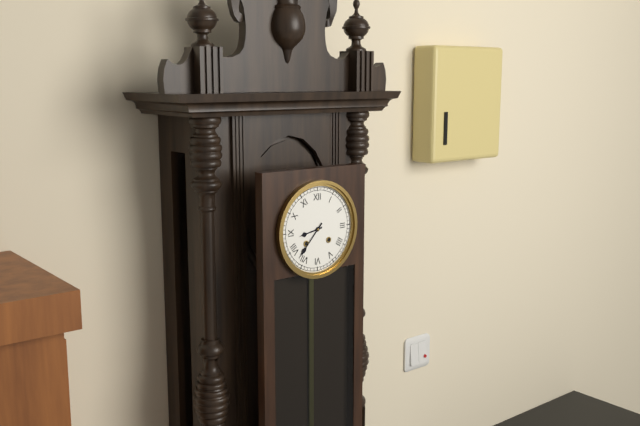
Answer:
h=8 m=37
